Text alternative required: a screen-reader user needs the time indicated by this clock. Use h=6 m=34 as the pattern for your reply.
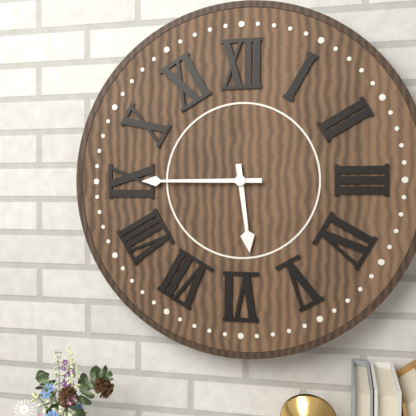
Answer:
h=5 m=45
